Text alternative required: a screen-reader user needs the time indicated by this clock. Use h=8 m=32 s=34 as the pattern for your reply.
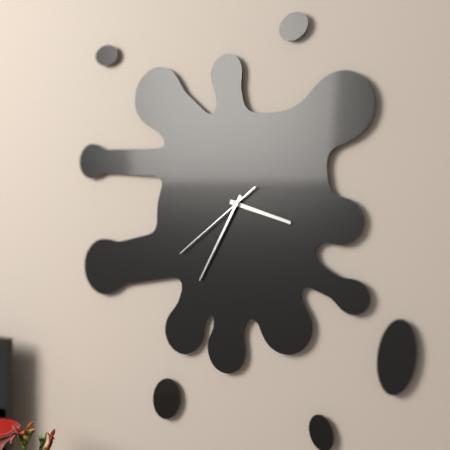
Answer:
h=3 m=35 s=39
